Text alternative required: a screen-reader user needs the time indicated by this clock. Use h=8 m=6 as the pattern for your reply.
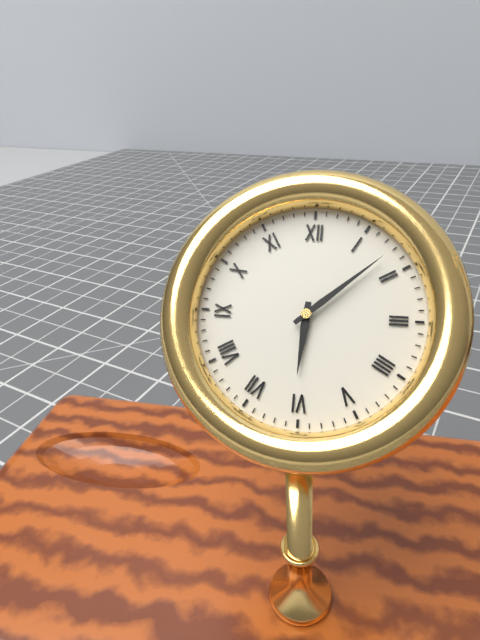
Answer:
h=6 m=8
